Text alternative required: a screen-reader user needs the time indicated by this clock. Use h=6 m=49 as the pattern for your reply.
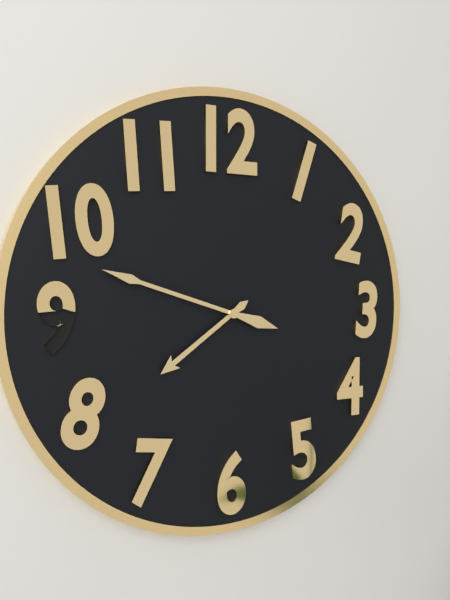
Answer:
h=7 m=48
